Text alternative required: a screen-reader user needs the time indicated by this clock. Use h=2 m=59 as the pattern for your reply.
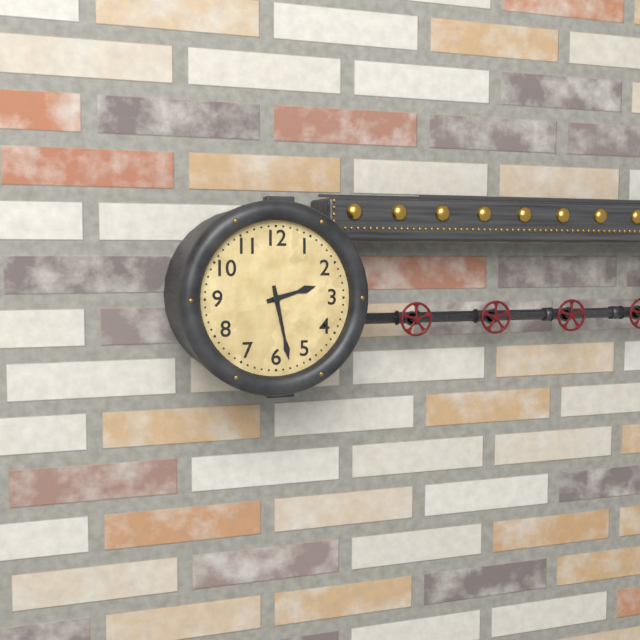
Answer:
h=2 m=28
